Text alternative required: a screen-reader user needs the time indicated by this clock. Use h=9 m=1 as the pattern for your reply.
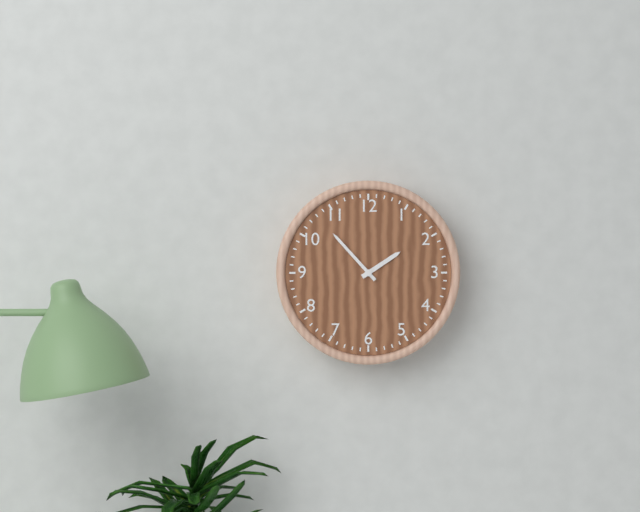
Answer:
h=1 m=53
